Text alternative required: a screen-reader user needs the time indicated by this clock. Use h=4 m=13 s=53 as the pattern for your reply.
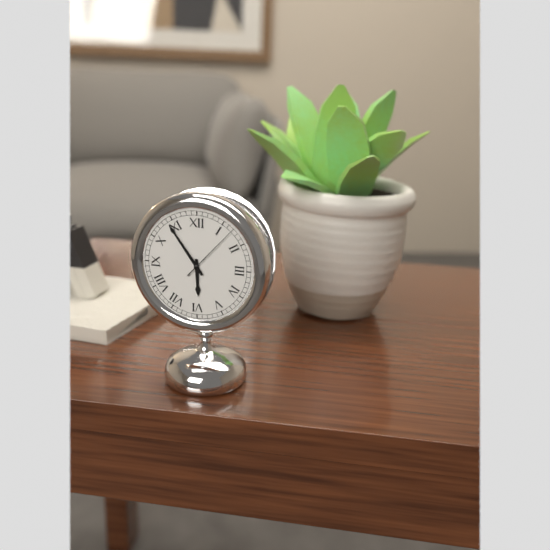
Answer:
h=5 m=54 s=7
